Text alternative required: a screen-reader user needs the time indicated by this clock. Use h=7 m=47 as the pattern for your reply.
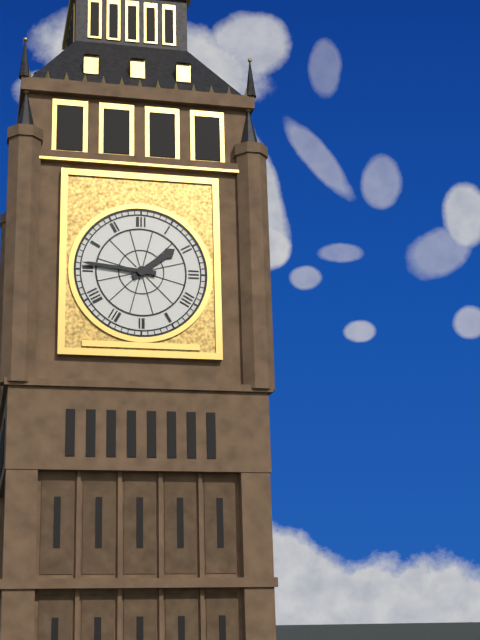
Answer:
h=1 m=46
